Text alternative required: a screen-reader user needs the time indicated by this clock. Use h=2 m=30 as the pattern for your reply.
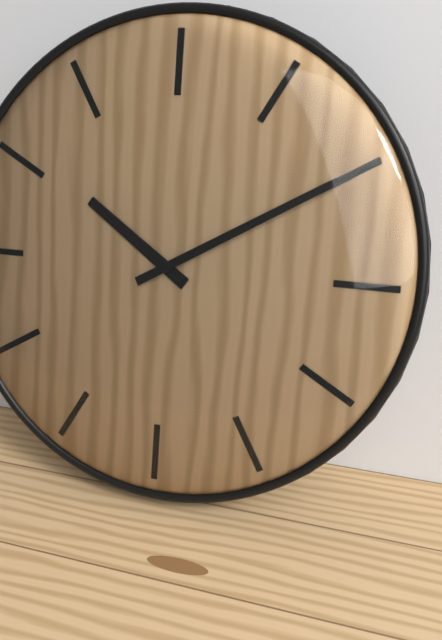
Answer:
h=10 m=10
